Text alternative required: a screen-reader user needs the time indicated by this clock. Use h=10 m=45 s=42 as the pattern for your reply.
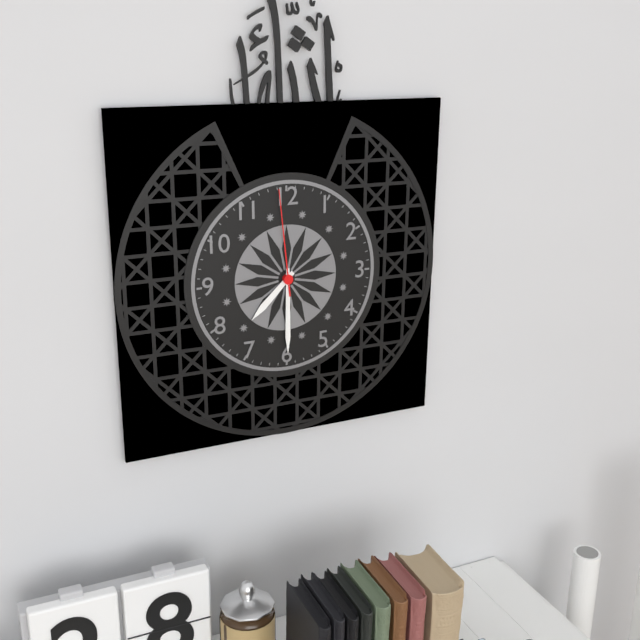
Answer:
h=7 m=30 s=59
